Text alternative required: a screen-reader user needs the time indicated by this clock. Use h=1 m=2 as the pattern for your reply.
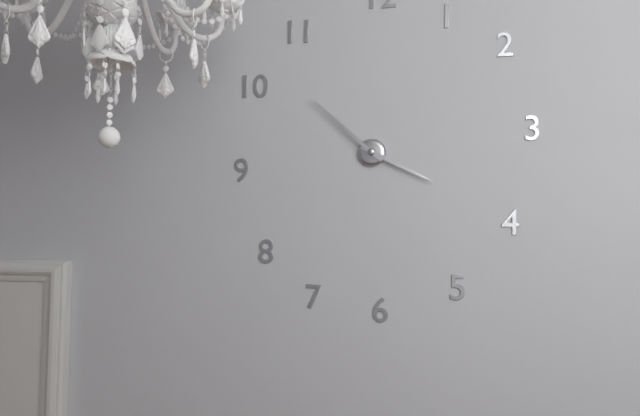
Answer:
h=3 m=52
